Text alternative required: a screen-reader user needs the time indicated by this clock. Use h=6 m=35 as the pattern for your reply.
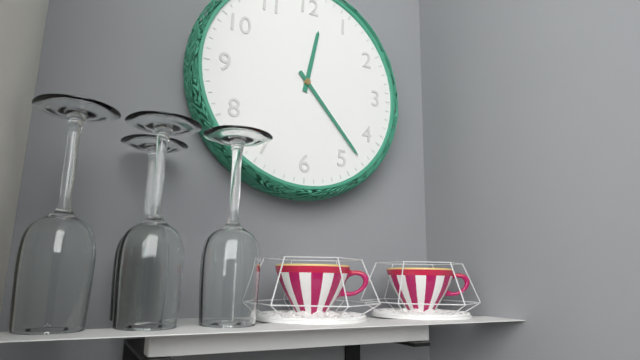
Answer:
h=12 m=23
